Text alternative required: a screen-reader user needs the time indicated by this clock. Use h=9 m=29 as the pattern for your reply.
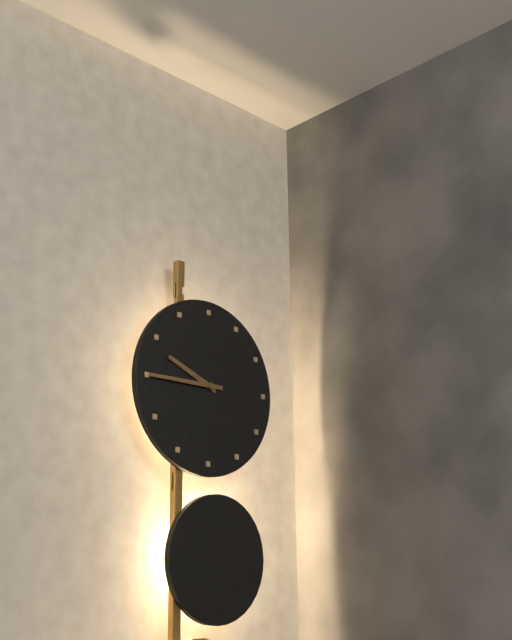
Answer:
h=9 m=45
